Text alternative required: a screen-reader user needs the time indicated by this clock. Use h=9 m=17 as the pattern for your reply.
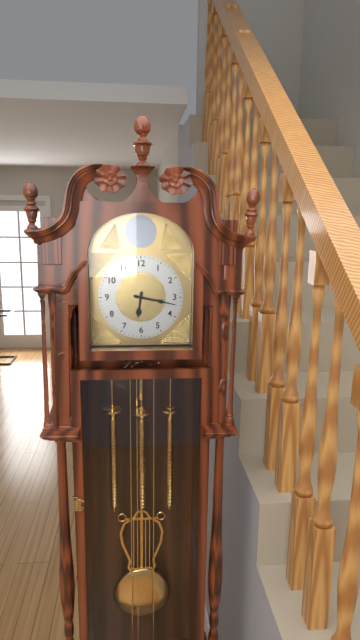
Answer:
h=6 m=17
